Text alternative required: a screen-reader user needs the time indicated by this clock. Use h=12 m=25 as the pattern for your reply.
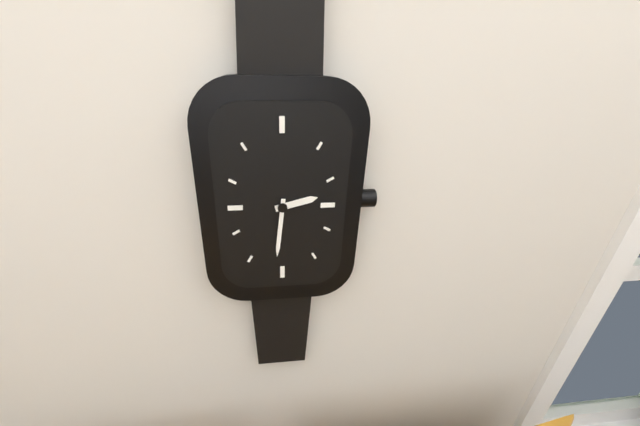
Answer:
h=2 m=31
